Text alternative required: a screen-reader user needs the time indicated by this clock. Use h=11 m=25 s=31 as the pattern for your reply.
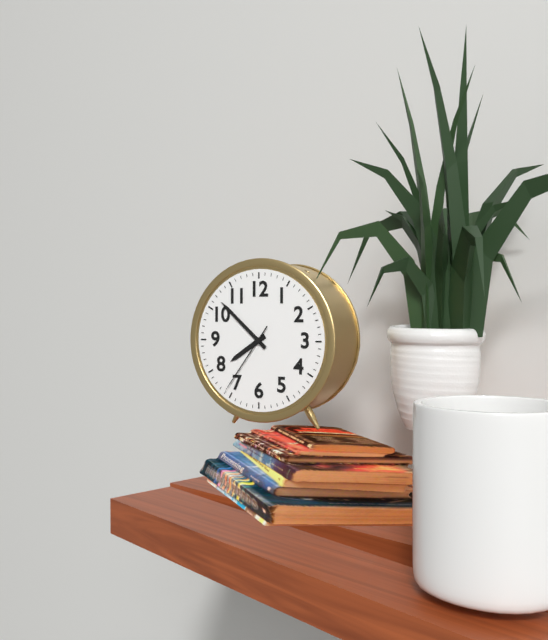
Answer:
h=7 m=52 s=36
